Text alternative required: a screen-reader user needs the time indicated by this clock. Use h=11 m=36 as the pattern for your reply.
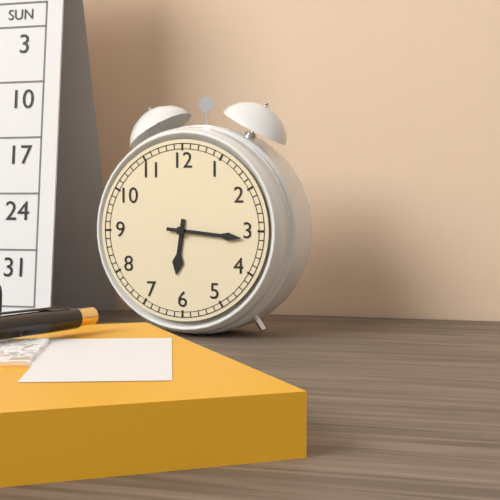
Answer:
h=6 m=16
